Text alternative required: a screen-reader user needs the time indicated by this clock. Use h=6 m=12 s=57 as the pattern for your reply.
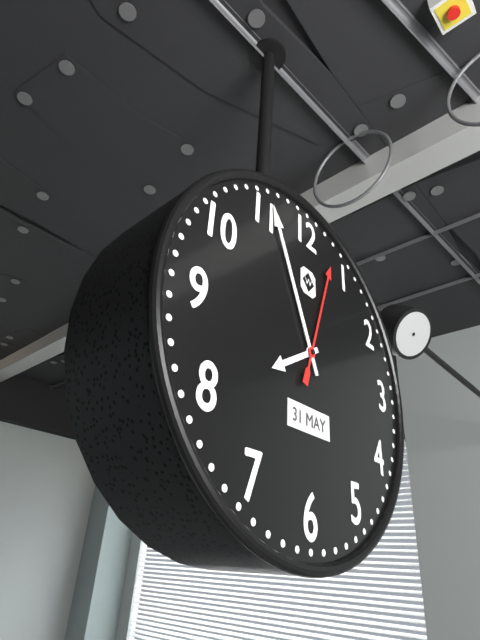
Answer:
h=7 m=56 s=3
